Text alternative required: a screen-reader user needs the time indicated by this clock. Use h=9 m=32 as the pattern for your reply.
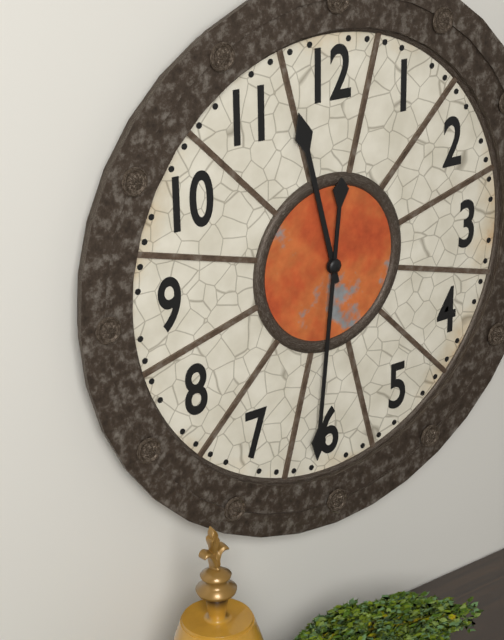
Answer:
h=11 m=31
